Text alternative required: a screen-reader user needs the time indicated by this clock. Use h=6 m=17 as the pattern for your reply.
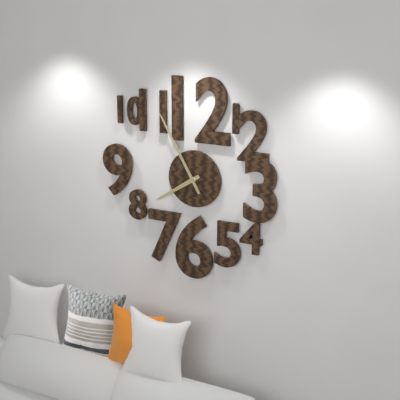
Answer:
h=7 m=55
